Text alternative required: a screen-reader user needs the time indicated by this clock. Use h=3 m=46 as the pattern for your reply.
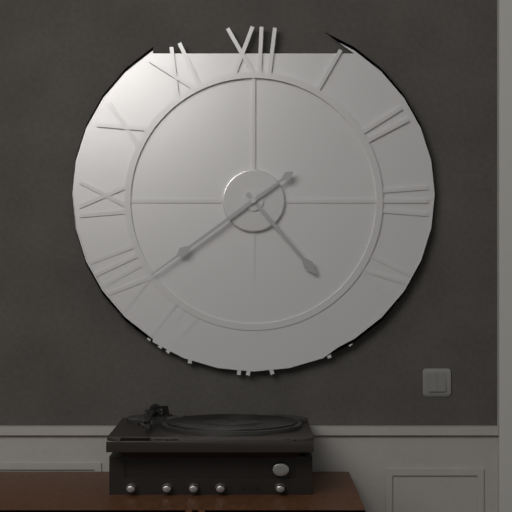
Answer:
h=4 m=39
